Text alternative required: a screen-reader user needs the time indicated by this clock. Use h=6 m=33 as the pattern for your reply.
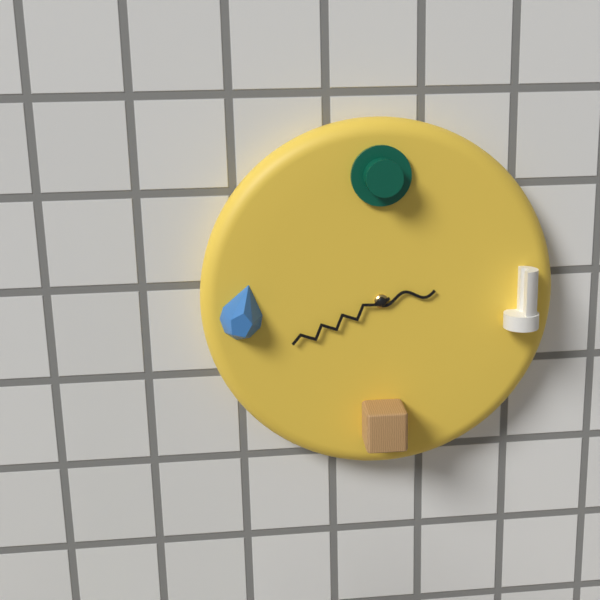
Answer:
h=2 m=41
